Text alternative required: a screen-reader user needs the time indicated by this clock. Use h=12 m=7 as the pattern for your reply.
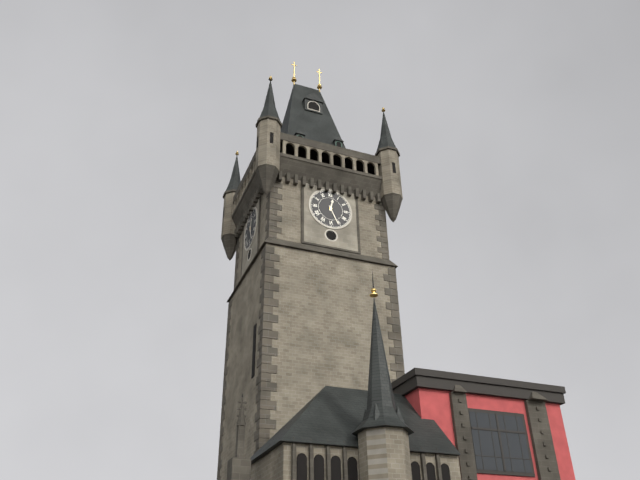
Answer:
h=12 m=26
